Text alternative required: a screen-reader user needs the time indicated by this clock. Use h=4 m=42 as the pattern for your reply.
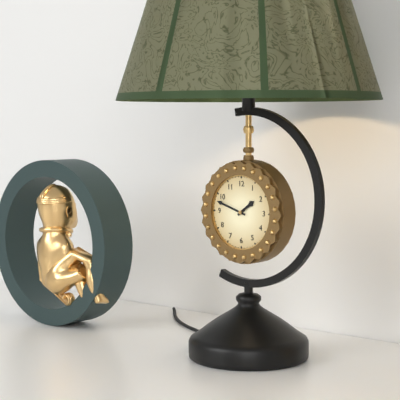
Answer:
h=1 m=48
